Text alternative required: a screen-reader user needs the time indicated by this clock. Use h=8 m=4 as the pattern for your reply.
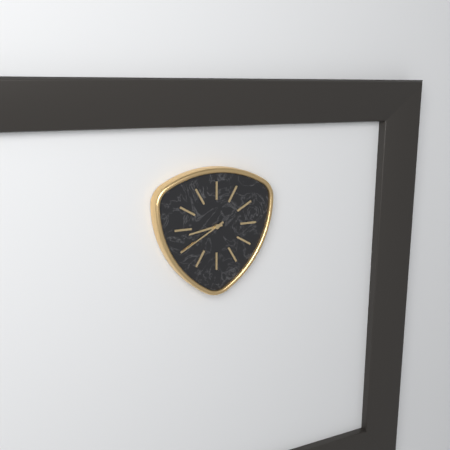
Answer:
h=8 m=40
